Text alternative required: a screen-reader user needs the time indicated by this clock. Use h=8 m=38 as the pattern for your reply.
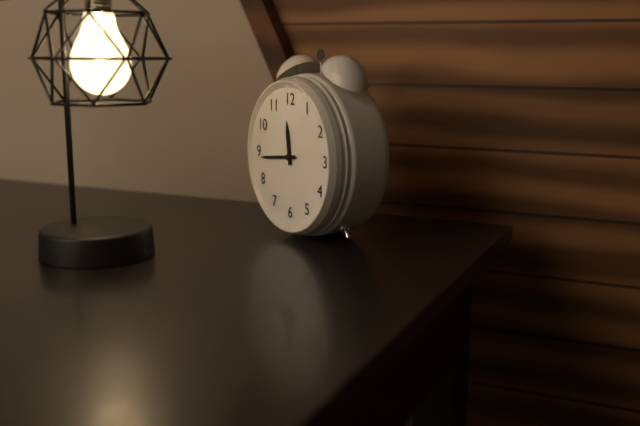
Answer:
h=11 m=44
